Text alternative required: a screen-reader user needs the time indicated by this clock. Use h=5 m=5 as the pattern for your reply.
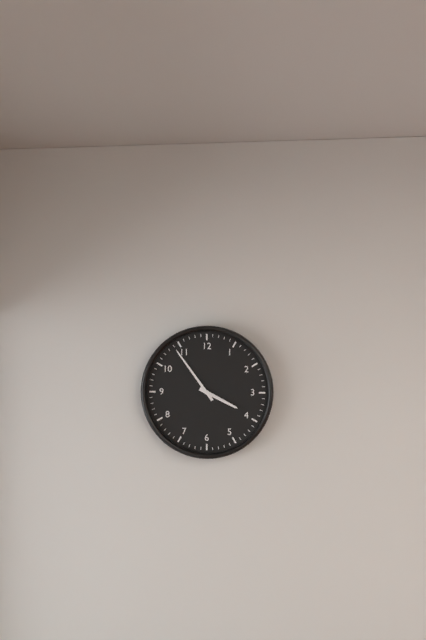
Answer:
h=3 m=54
